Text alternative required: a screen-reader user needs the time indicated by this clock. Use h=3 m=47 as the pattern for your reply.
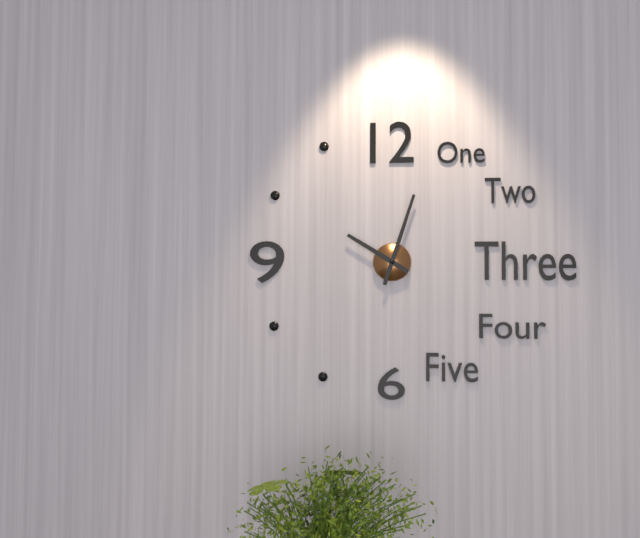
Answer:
h=10 m=3
